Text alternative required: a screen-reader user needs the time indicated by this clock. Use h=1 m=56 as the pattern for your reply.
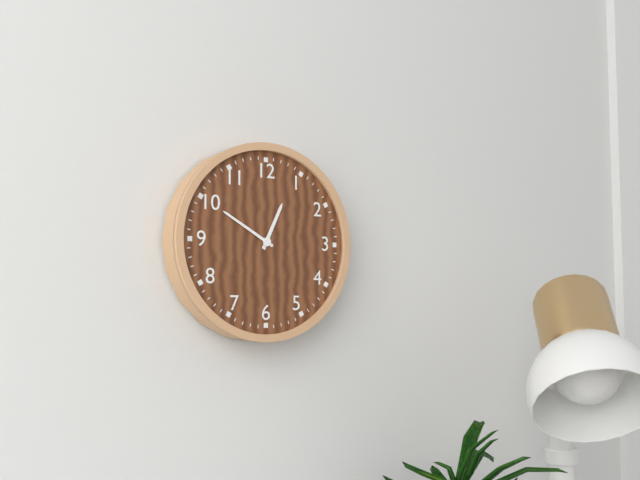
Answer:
h=12 m=50
